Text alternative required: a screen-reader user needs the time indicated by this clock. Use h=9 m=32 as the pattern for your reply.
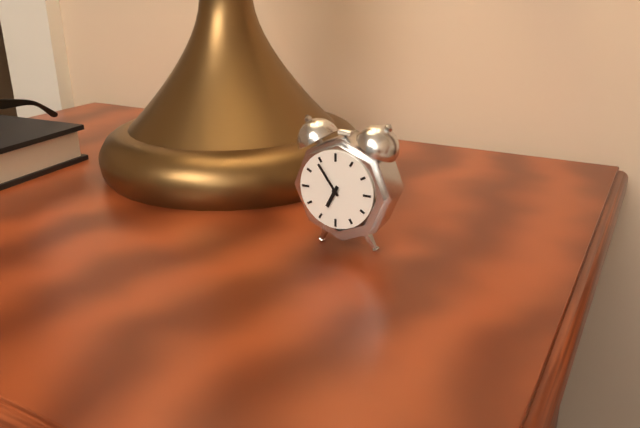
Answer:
h=6 m=54
